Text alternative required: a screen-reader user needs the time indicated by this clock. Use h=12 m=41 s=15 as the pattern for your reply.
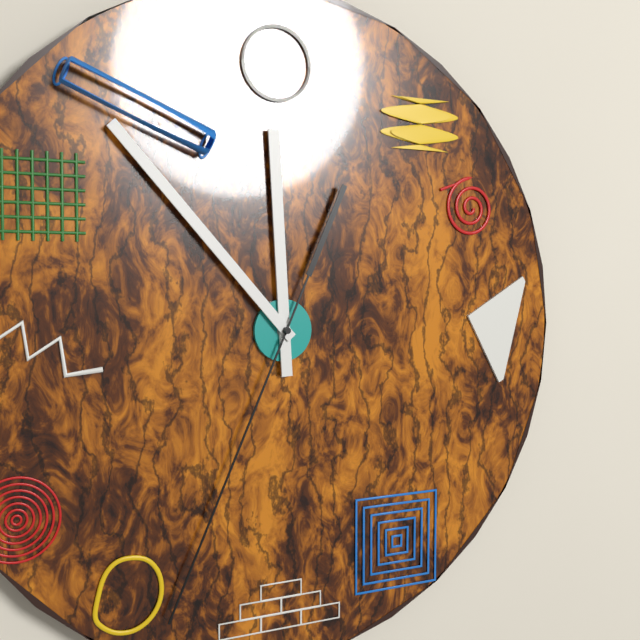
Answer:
h=11 m=53 s=34
